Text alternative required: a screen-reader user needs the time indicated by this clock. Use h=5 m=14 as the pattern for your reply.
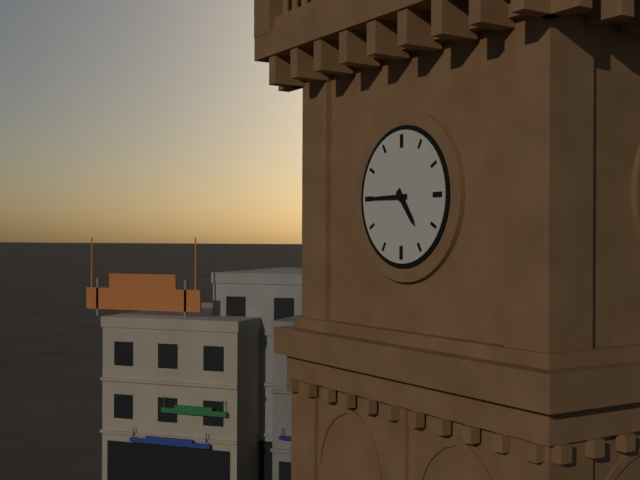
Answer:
h=4 m=45
